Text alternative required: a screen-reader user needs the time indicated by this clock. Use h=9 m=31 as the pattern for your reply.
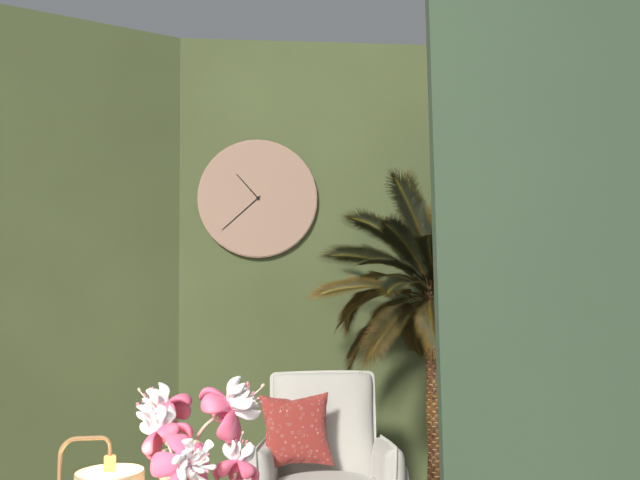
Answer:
h=10 m=38
